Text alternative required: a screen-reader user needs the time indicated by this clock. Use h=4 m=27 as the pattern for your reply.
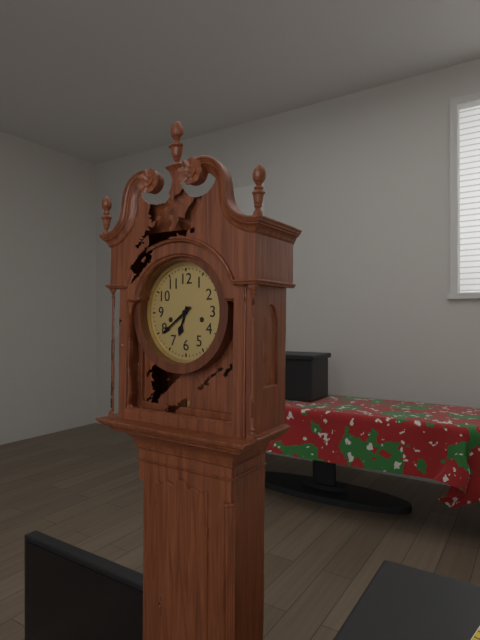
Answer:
h=6 m=39
